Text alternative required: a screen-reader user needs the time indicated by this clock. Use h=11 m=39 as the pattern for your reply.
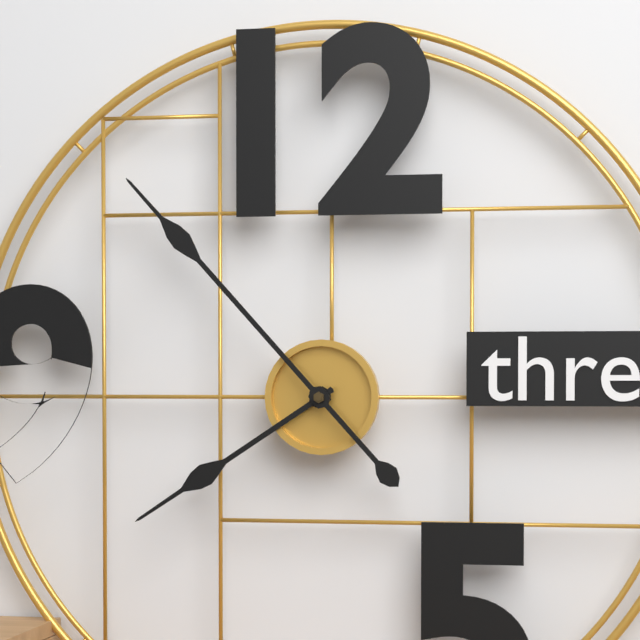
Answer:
h=7 m=53
